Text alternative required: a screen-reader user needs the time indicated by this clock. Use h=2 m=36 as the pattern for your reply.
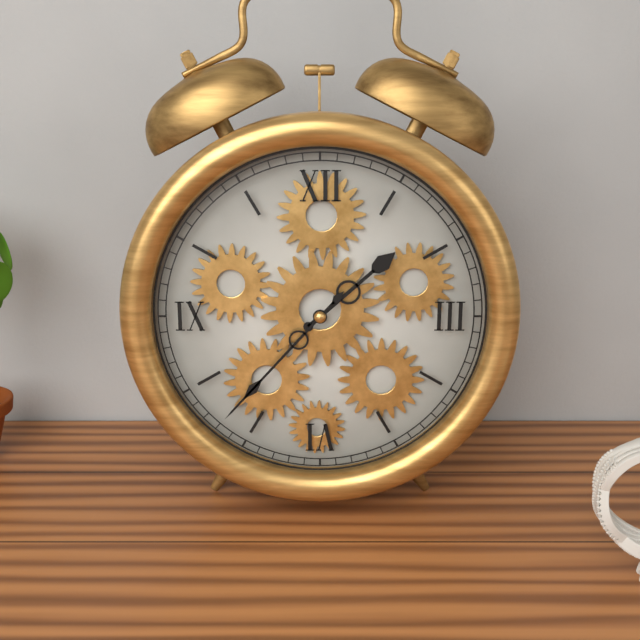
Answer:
h=1 m=37
